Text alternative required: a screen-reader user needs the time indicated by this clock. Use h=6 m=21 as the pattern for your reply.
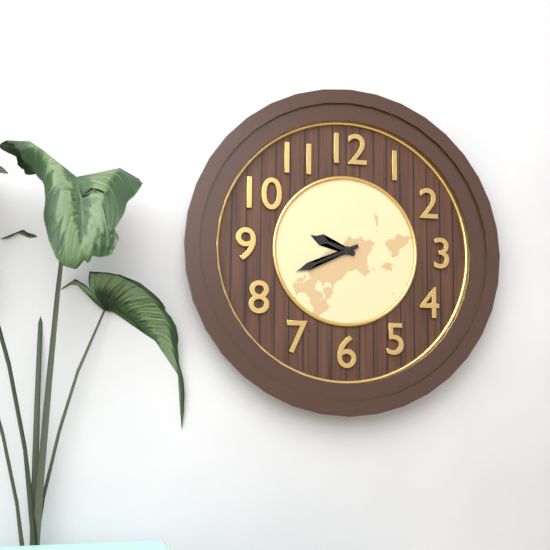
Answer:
h=9 m=41
